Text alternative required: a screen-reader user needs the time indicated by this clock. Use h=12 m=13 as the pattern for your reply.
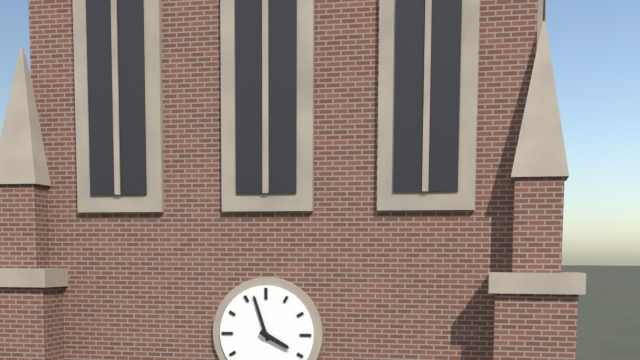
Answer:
h=3 m=57
